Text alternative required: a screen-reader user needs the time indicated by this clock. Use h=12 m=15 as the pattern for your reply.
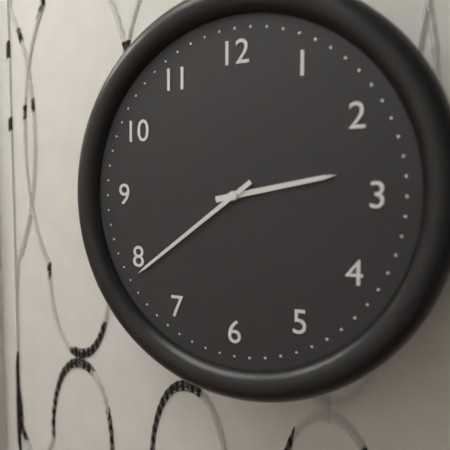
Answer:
h=2 m=39
